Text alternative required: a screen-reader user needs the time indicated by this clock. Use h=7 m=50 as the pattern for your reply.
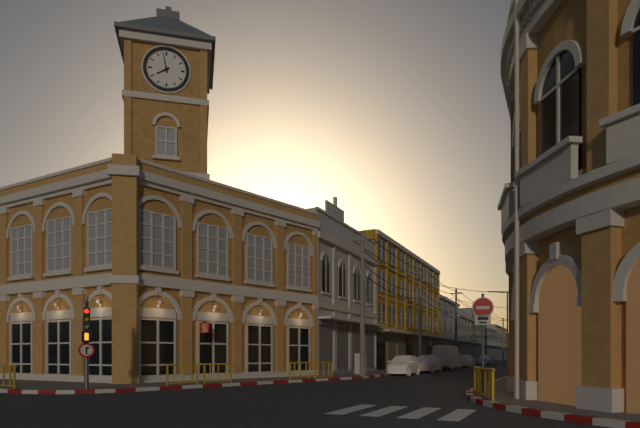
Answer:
h=7 m=58
